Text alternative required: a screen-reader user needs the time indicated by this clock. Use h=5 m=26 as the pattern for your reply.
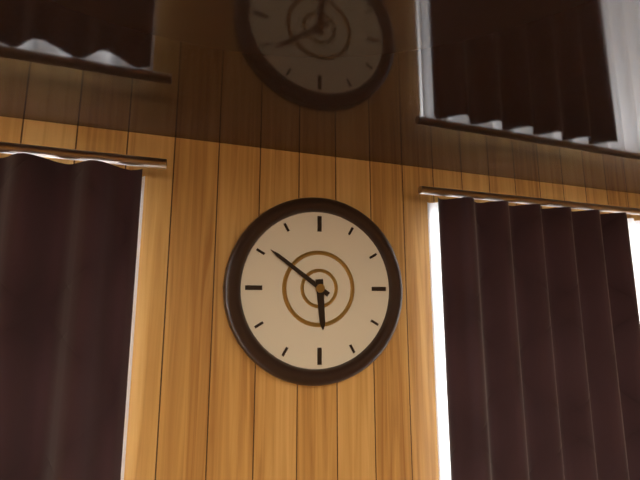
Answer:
h=5 m=51
